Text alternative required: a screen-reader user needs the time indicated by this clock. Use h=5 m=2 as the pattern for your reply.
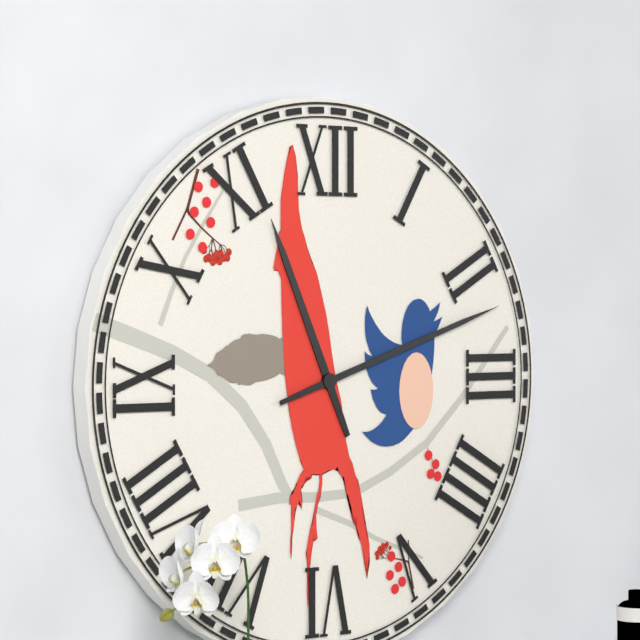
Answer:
h=11 m=12
